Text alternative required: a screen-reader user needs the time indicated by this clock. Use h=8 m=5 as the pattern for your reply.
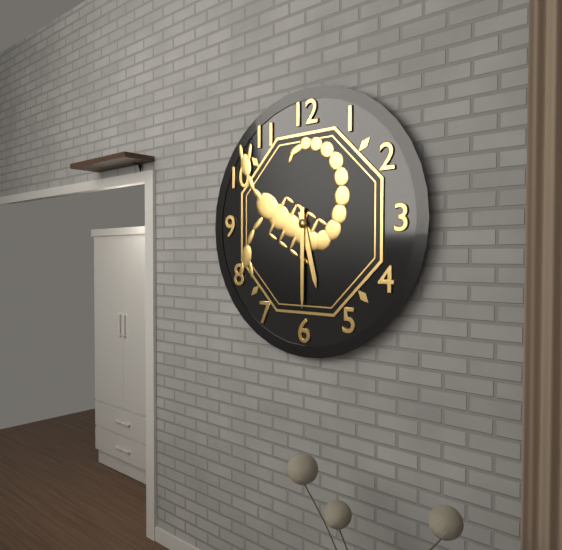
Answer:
h=5 m=30
